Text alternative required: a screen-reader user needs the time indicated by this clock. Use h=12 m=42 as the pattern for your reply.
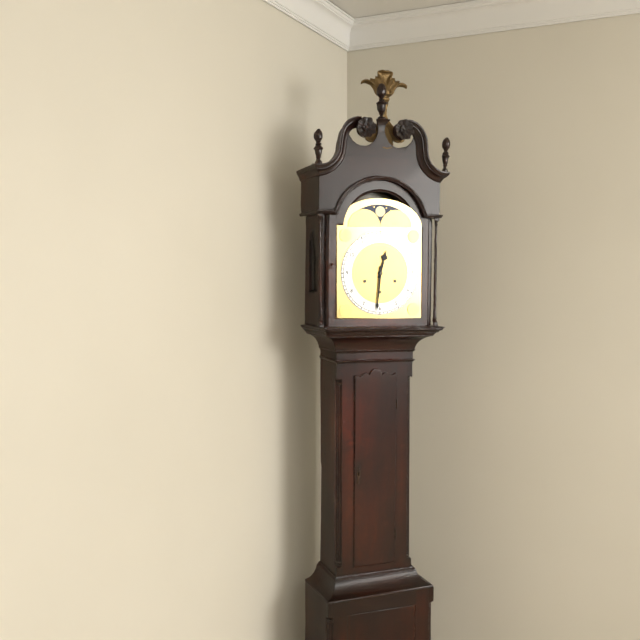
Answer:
h=12 m=31
